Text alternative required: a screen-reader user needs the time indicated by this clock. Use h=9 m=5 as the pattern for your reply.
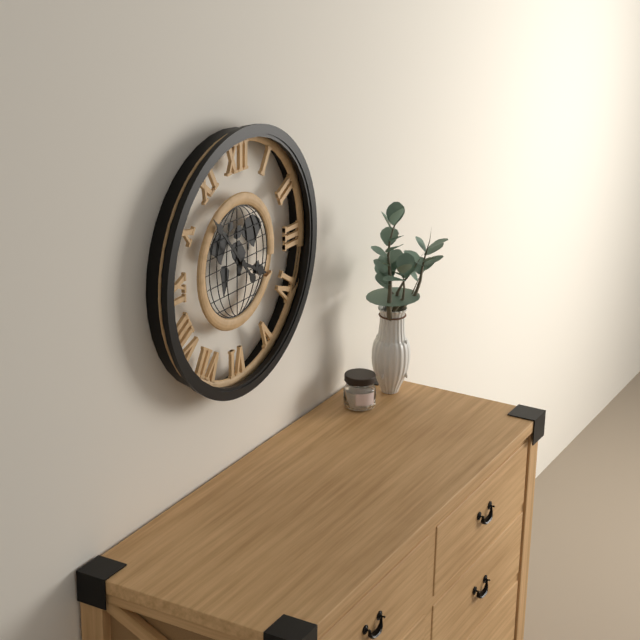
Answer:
h=3 m=53
